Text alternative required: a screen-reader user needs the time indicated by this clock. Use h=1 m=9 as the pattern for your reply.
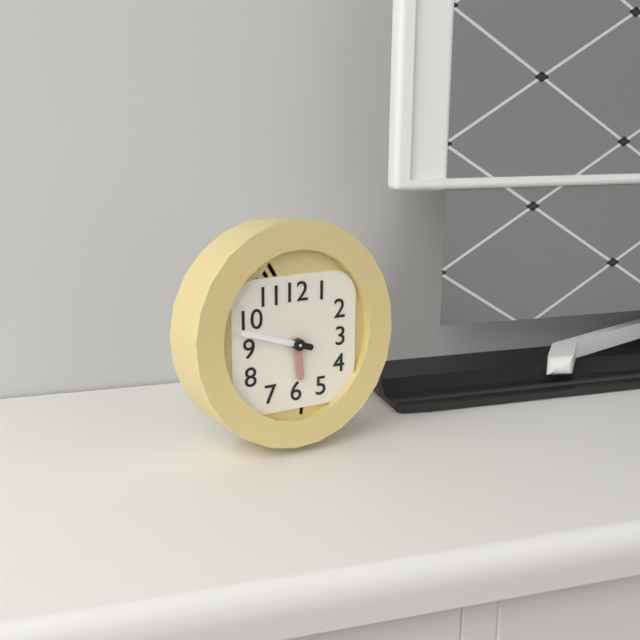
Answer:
h=5 m=48
